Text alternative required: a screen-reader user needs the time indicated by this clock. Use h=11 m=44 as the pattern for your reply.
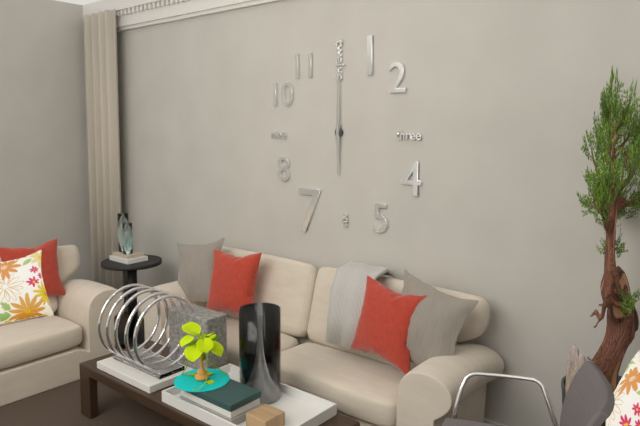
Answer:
h=6 m=0
